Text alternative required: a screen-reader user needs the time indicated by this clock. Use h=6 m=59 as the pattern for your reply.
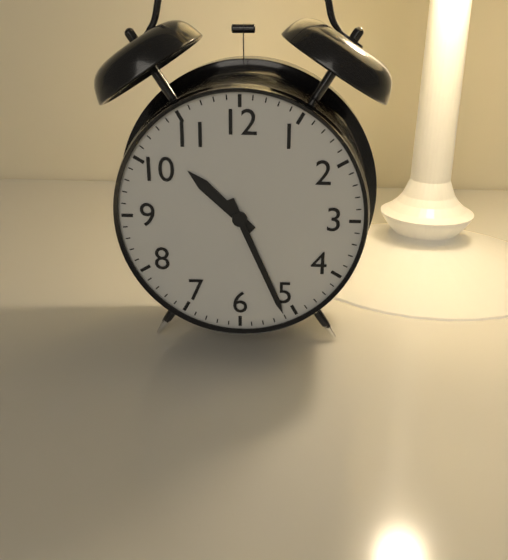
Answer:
h=10 m=26
